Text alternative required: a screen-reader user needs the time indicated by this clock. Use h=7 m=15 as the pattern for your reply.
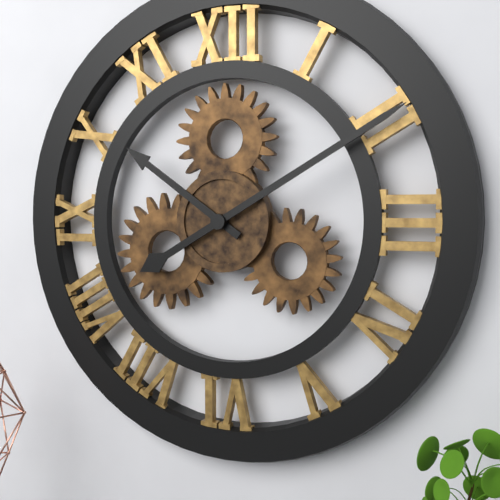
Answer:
h=10 m=10
